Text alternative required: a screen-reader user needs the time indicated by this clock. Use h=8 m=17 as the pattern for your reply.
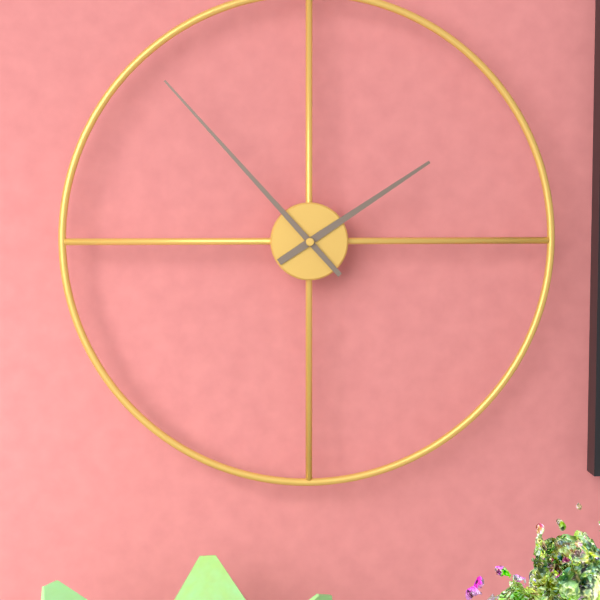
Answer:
h=1 m=53
